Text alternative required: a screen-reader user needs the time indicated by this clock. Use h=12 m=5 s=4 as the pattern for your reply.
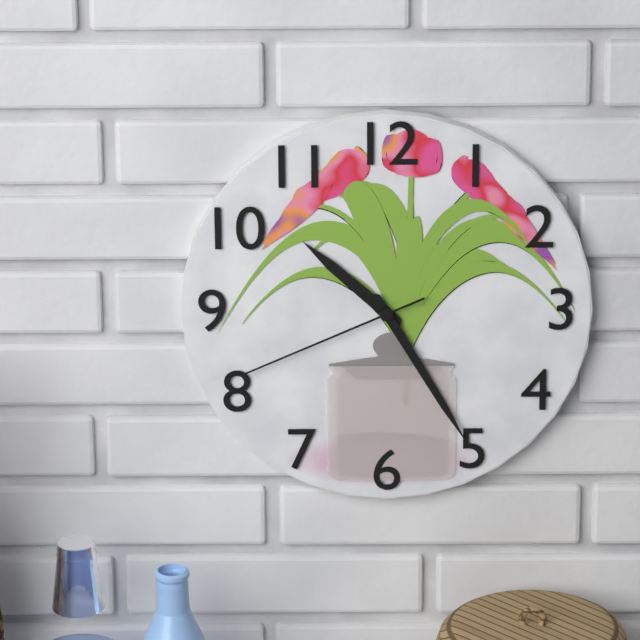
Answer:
h=10 m=25 s=41
